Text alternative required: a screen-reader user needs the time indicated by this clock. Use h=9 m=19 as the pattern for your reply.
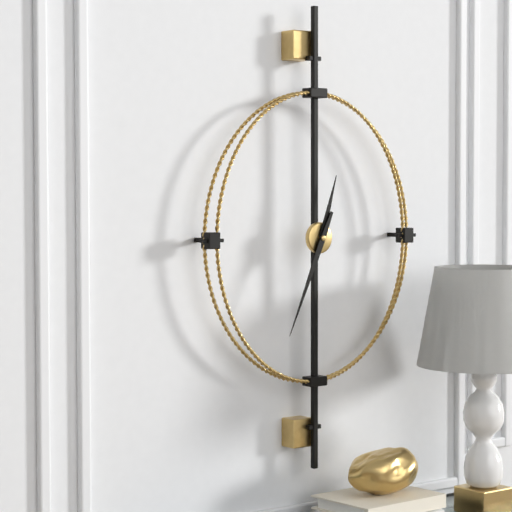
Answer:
h=12 m=34
